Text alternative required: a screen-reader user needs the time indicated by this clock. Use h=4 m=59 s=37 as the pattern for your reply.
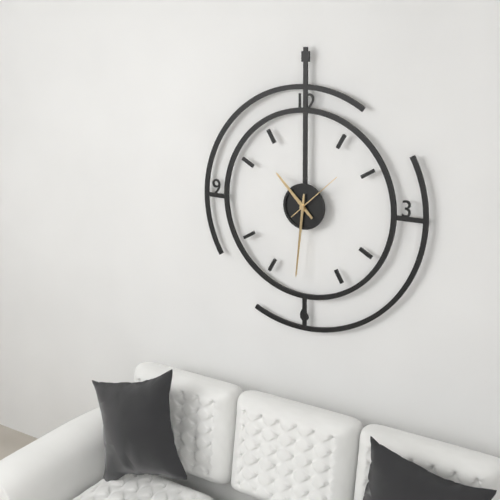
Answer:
h=10 m=31 s=8
